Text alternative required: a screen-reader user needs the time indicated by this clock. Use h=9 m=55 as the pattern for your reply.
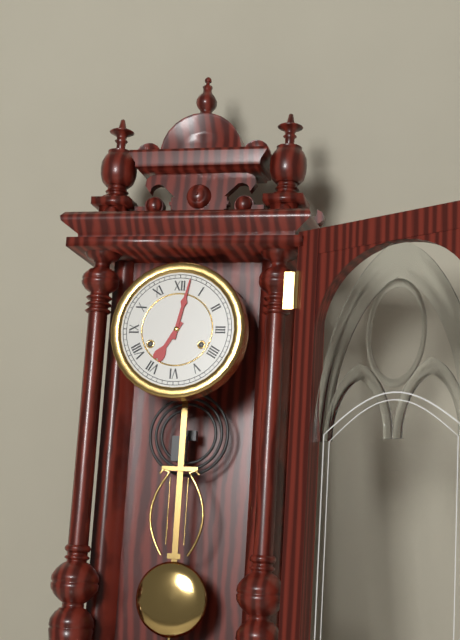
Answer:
h=7 m=2
